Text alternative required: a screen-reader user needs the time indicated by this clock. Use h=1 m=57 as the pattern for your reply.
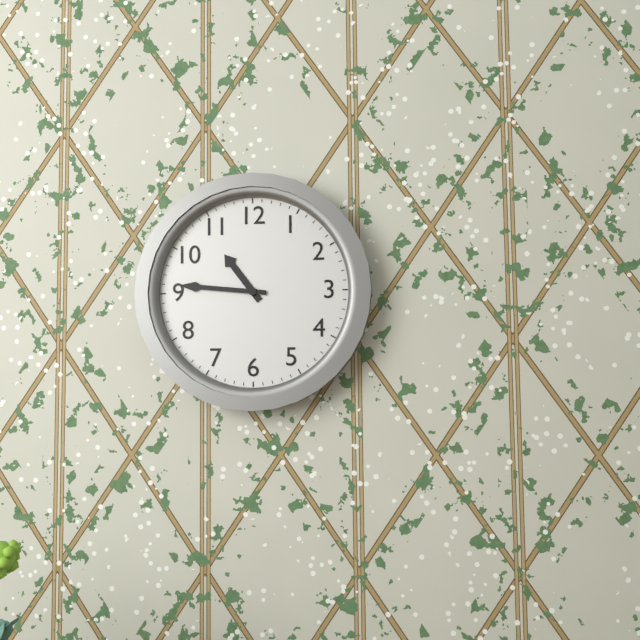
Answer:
h=10 m=46
